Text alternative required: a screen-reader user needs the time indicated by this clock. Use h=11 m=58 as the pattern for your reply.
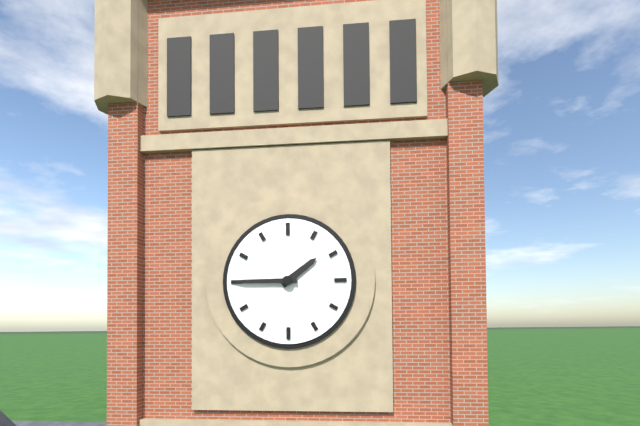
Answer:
h=1 m=45
